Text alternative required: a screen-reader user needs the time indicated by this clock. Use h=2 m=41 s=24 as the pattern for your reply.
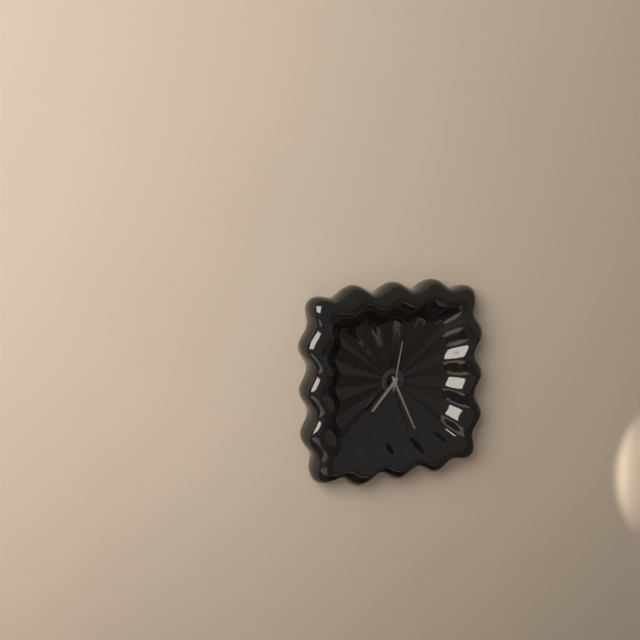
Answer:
h=7 m=26 s=2
